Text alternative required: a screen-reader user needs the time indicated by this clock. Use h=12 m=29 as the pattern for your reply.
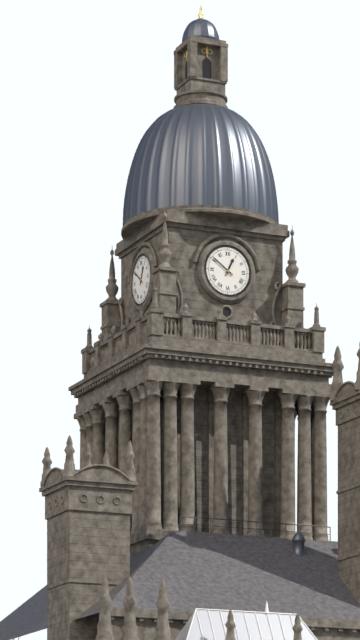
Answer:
h=12 m=51
